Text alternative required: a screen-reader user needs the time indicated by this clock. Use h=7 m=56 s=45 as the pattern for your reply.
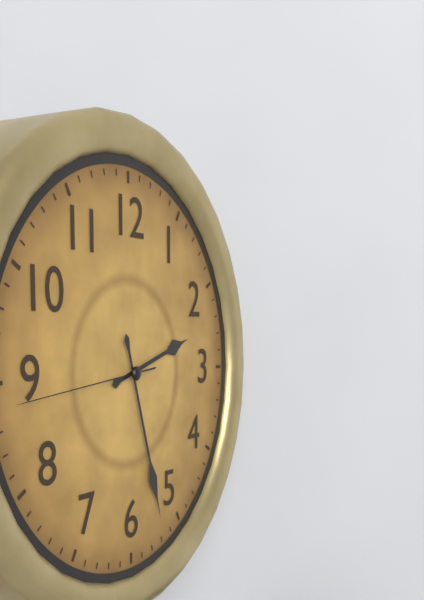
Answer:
h=2 m=27 s=44
